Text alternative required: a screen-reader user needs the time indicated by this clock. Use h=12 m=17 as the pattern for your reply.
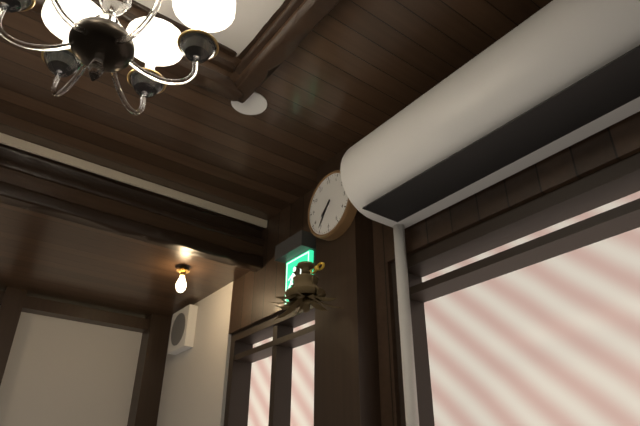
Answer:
h=7 m=36
